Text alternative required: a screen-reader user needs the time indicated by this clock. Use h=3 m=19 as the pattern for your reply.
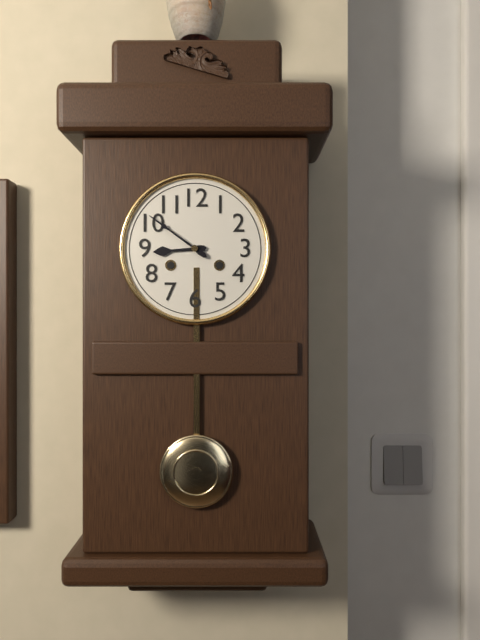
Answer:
h=8 m=51
